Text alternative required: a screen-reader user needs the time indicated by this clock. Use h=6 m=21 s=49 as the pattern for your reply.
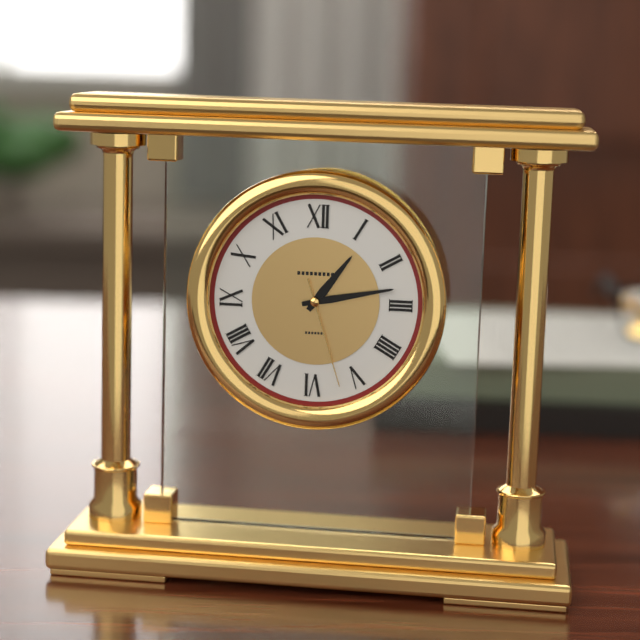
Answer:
h=1 m=13 s=27
